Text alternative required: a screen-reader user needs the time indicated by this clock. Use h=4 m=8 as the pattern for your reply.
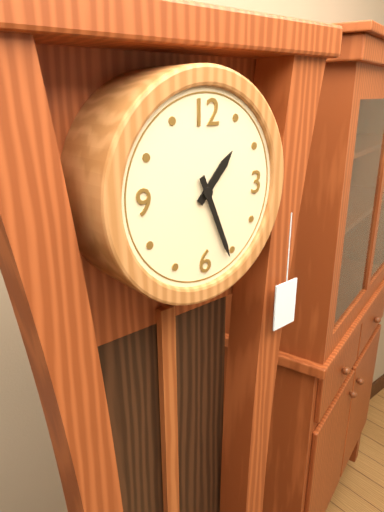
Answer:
h=1 m=26
